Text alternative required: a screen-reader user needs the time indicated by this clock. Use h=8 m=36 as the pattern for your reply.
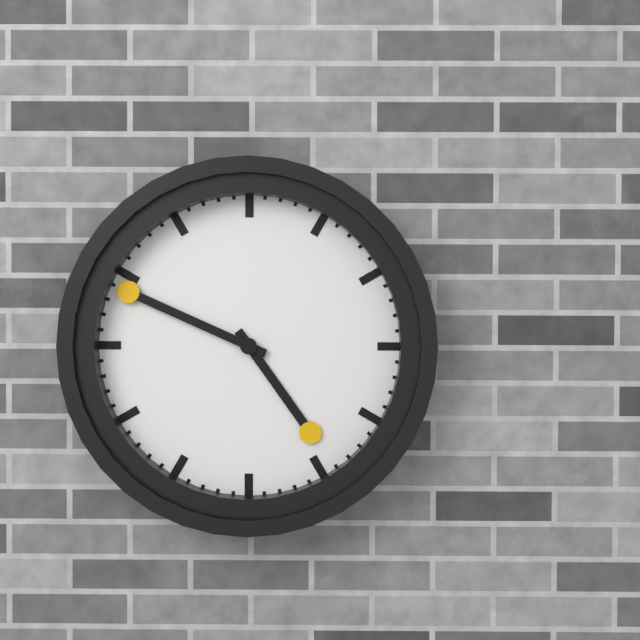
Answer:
h=4 m=49
